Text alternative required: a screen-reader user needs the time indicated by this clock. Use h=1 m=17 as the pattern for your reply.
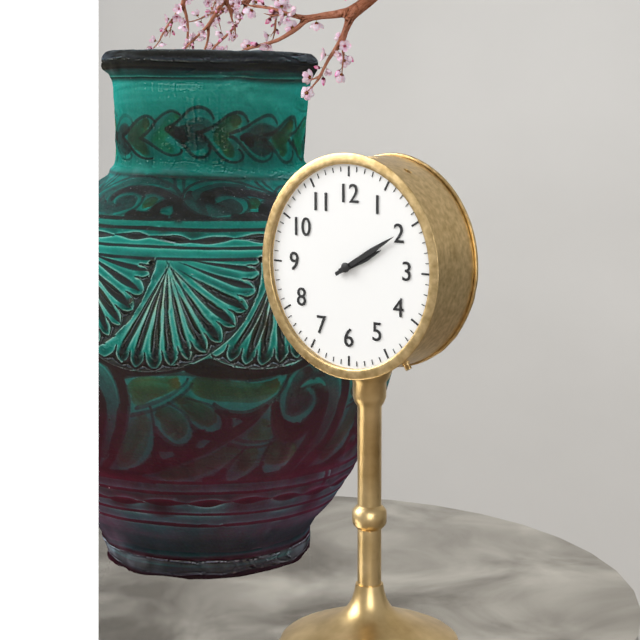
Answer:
h=2 m=10
